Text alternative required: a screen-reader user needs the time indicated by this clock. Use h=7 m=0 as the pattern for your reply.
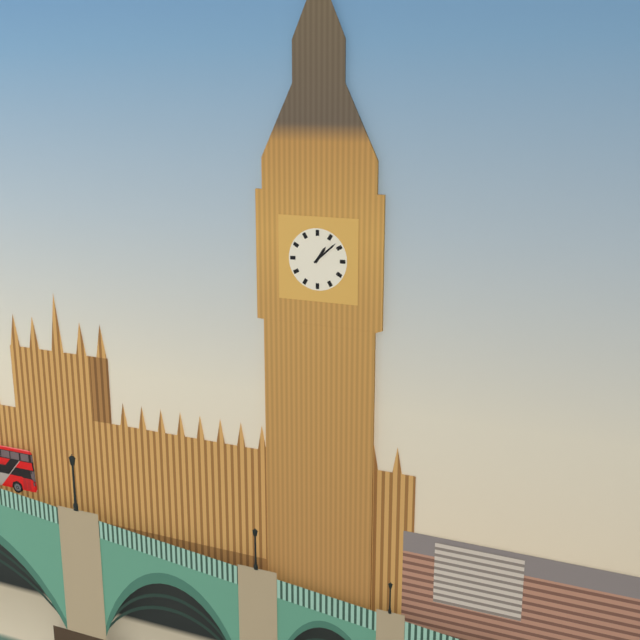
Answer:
h=1 m=8
